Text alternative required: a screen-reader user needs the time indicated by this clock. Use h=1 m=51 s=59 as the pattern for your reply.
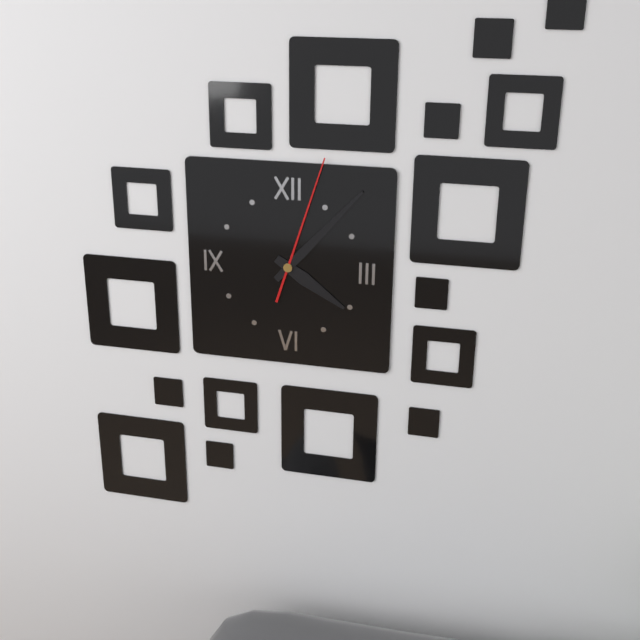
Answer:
h=4 m=7 s=3
